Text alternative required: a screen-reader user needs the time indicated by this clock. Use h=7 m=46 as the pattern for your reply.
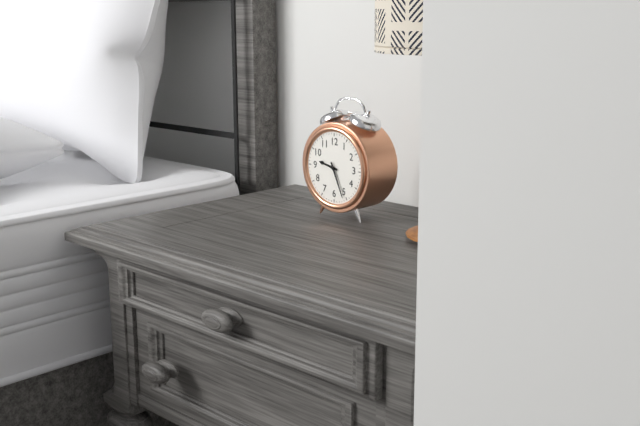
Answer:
h=9 m=26
